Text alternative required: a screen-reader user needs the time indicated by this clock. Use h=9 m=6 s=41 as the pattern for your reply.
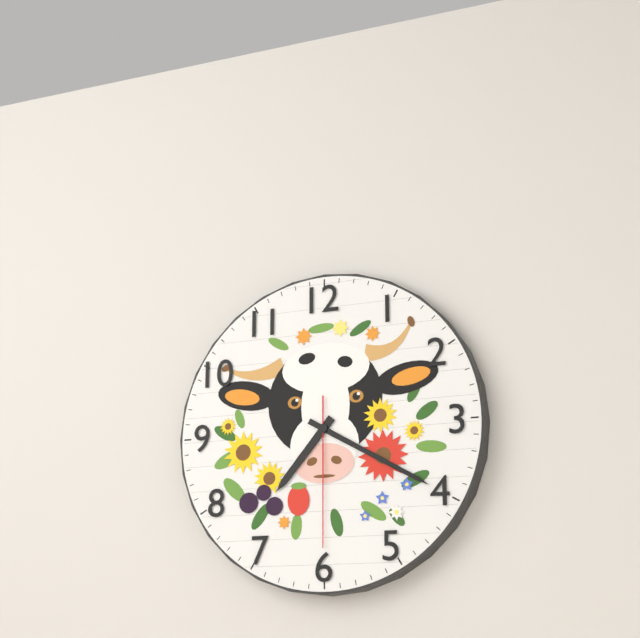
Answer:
h=7 m=20 s=30
